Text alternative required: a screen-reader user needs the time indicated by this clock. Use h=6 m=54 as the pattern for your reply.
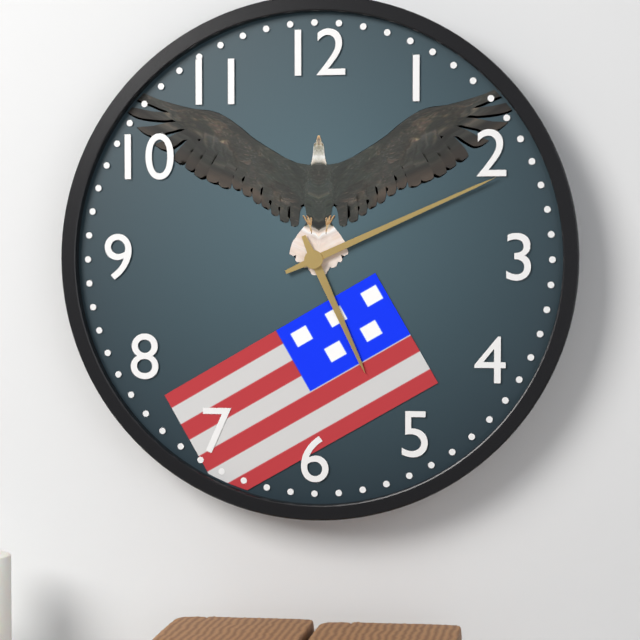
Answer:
h=5 m=11
